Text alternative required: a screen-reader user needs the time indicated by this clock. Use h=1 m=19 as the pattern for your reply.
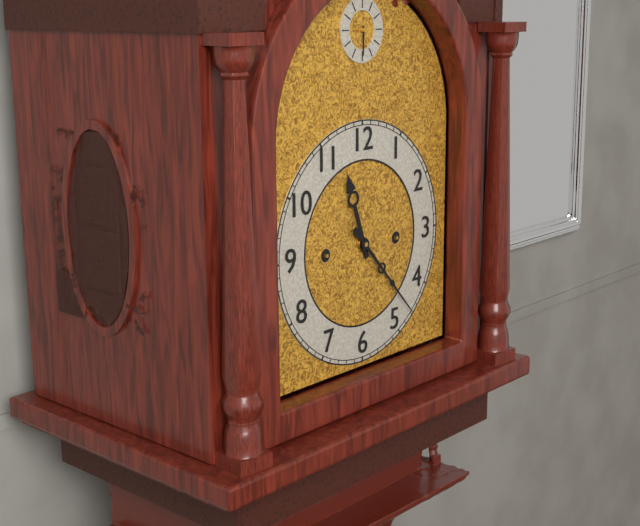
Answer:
h=11 m=23
